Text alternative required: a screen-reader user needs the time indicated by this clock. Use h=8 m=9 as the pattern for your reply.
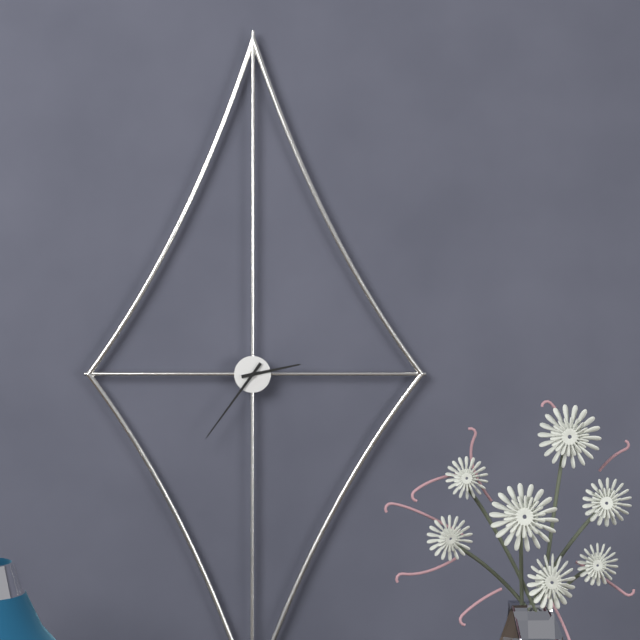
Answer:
h=2 m=36
